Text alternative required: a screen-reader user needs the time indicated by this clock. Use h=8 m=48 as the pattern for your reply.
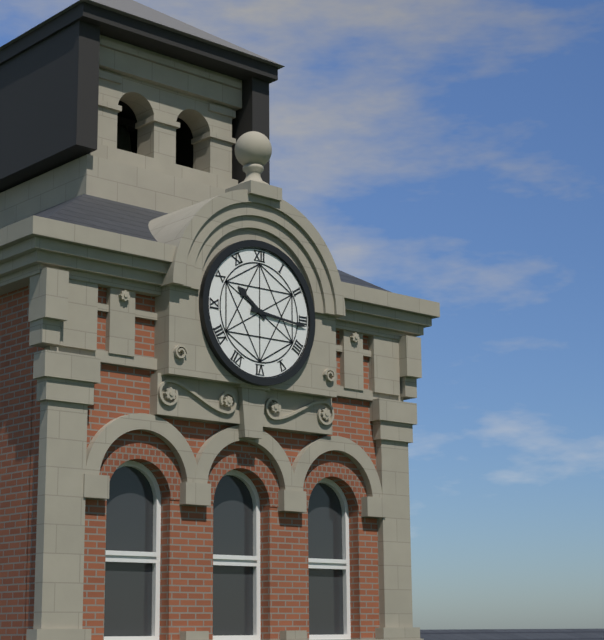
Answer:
h=10 m=16
